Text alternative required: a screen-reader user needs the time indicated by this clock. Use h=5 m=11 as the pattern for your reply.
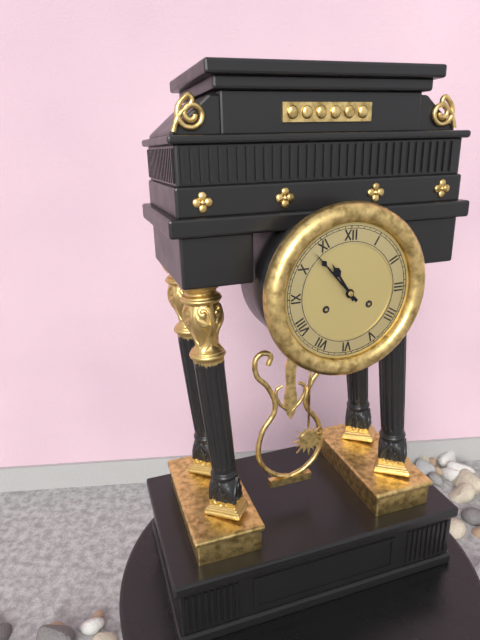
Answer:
h=10 m=53
